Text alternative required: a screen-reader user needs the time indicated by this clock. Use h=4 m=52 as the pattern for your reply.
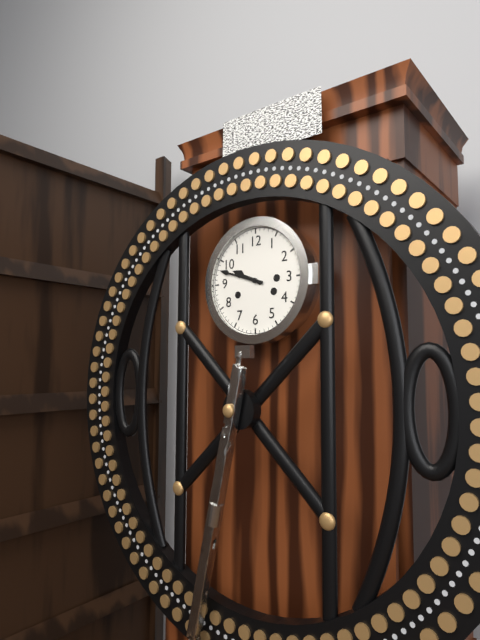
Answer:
h=9 m=48
